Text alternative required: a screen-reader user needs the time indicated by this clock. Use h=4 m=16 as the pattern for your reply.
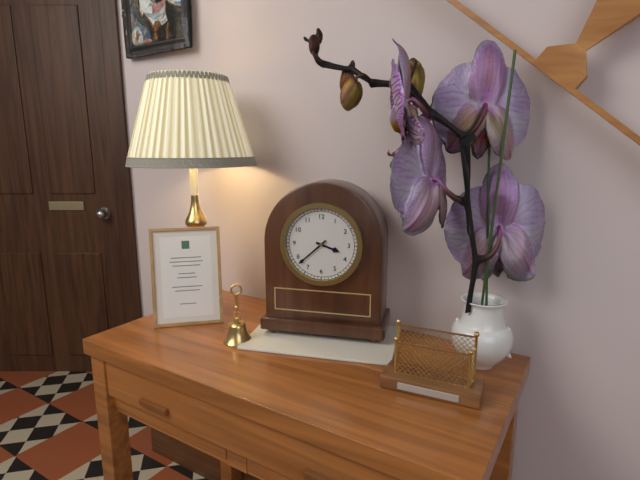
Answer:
h=3 m=38
